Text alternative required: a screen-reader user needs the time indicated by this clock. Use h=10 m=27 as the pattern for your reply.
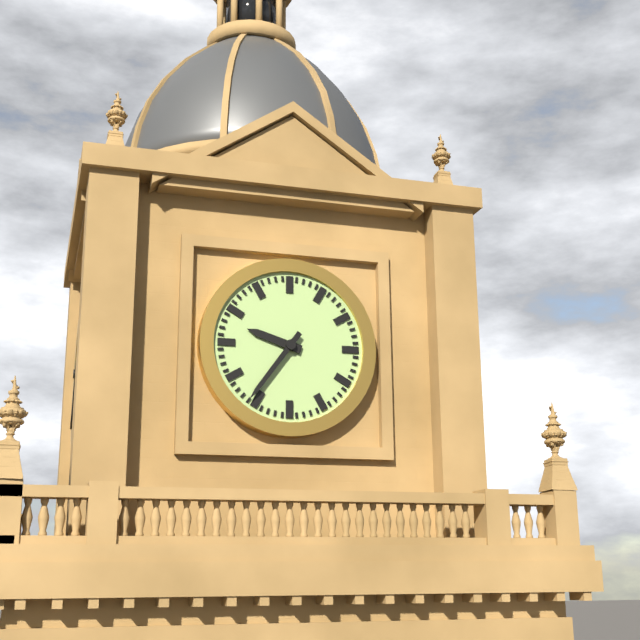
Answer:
h=9 m=36
